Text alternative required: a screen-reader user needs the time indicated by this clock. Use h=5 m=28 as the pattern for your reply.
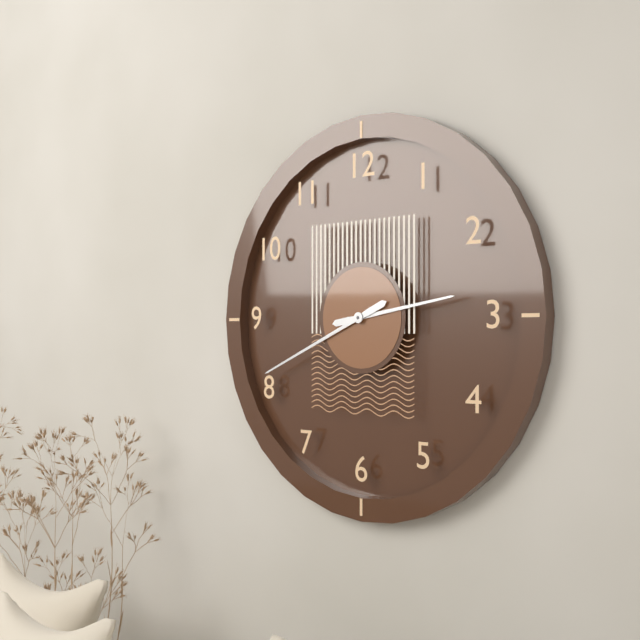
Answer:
h=2 m=41
